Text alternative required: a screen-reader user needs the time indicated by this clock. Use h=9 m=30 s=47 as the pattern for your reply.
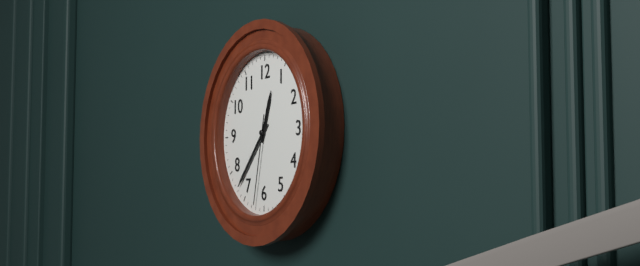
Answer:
h=12 m=37 s=32
